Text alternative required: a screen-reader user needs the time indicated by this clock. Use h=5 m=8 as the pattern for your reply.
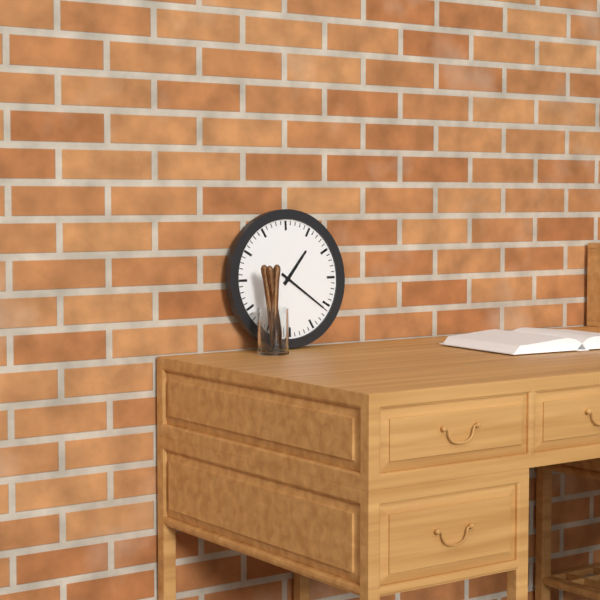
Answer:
h=1 m=21
